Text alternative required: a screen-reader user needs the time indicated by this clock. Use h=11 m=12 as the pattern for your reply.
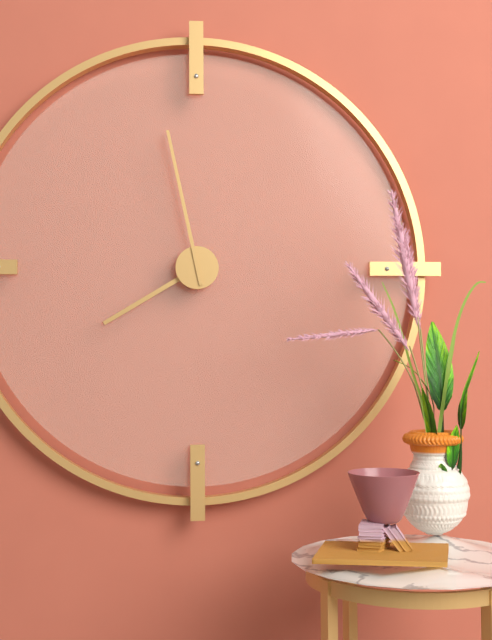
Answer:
h=7 m=58
